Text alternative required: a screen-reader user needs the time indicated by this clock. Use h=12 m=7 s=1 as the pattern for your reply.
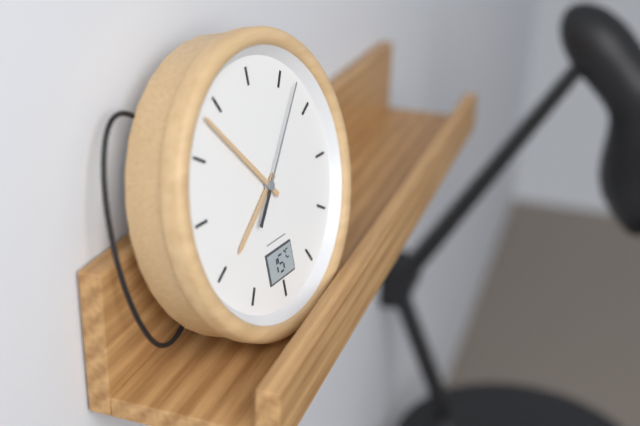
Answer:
h=7 m=53 s=7
